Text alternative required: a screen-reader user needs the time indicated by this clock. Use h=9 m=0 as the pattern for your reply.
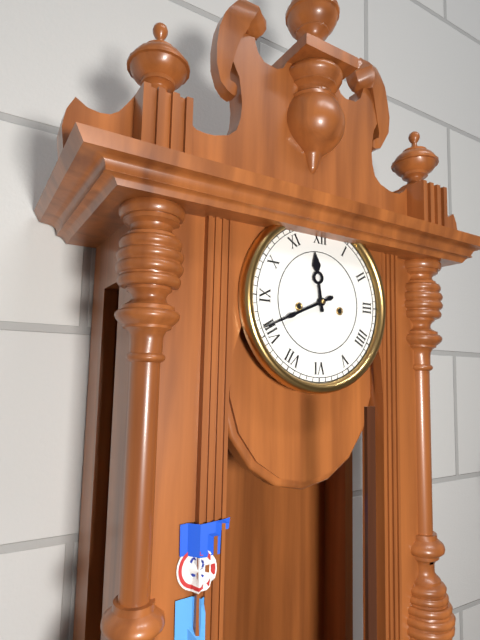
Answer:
h=11 m=41
